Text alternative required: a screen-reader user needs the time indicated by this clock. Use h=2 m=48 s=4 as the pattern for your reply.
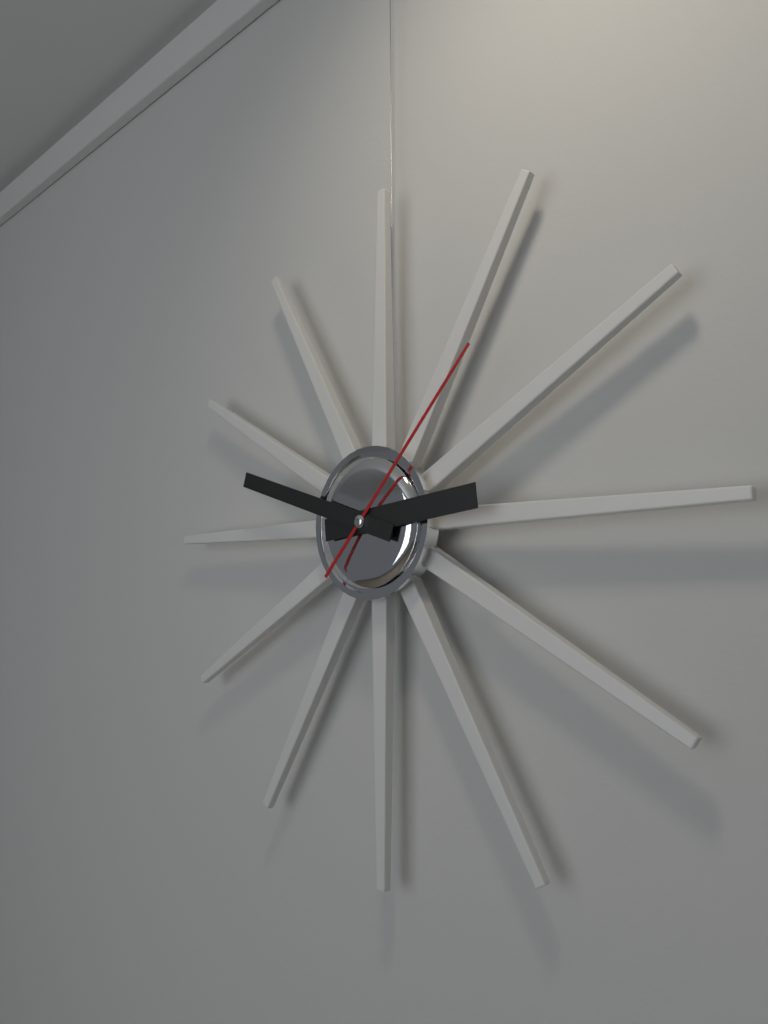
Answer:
h=2 m=48 s=7
